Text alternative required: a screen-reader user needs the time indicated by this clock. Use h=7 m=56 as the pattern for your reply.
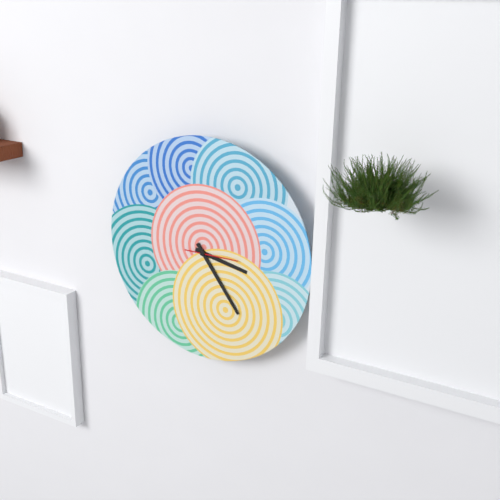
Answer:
h=3 m=24
